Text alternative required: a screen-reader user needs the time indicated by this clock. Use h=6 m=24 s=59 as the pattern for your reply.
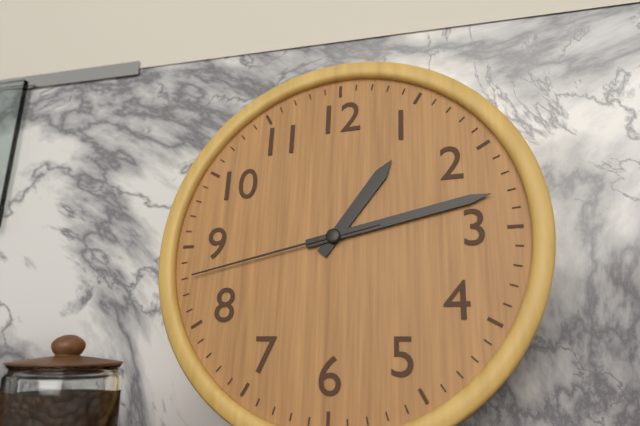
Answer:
h=1 m=13 s=43
